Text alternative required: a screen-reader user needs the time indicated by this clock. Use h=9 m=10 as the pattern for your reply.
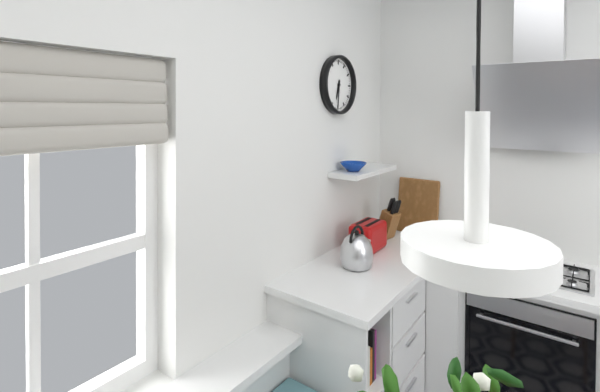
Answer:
h=6 m=31
